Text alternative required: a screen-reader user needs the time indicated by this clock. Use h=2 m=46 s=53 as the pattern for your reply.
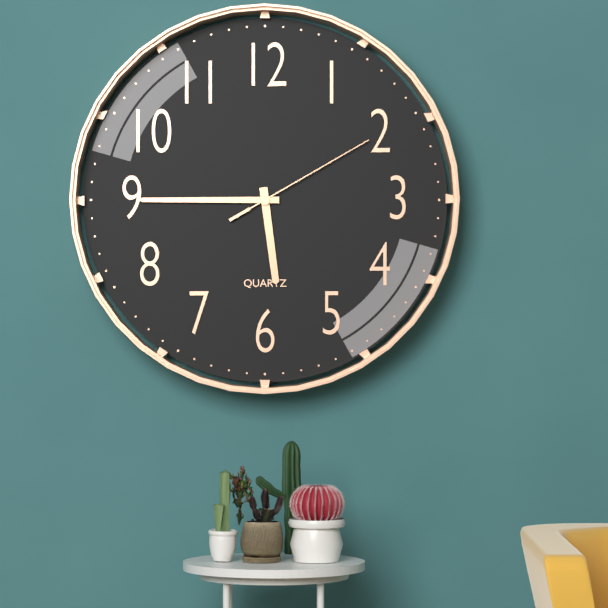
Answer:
h=5 m=45 s=10
